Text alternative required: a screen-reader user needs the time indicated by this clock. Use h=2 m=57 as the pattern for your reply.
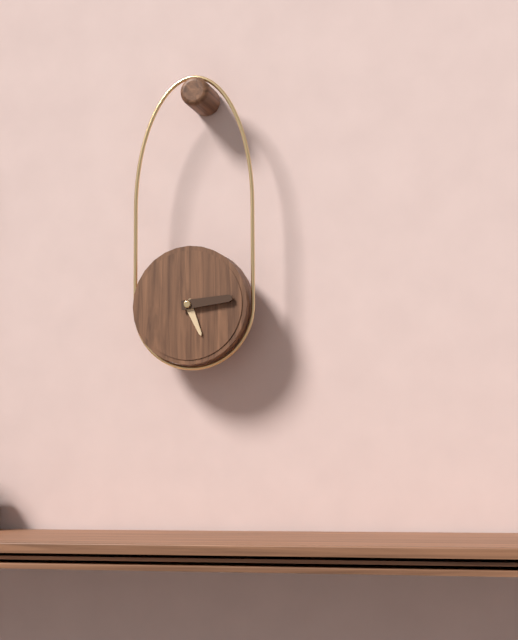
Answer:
h=5 m=14
